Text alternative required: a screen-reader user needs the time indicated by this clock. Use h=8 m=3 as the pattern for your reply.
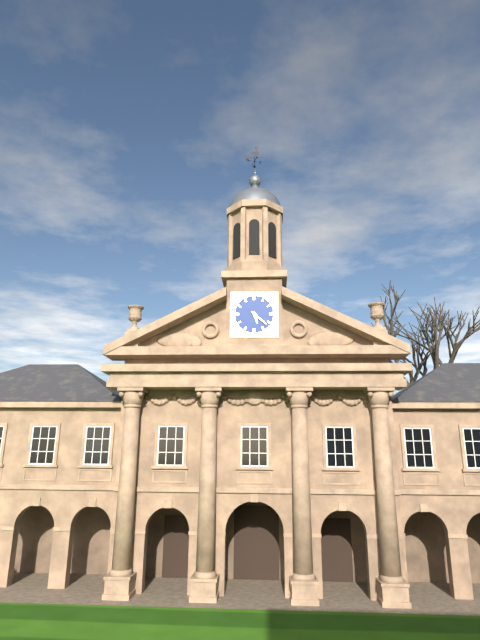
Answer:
h=5 m=22
